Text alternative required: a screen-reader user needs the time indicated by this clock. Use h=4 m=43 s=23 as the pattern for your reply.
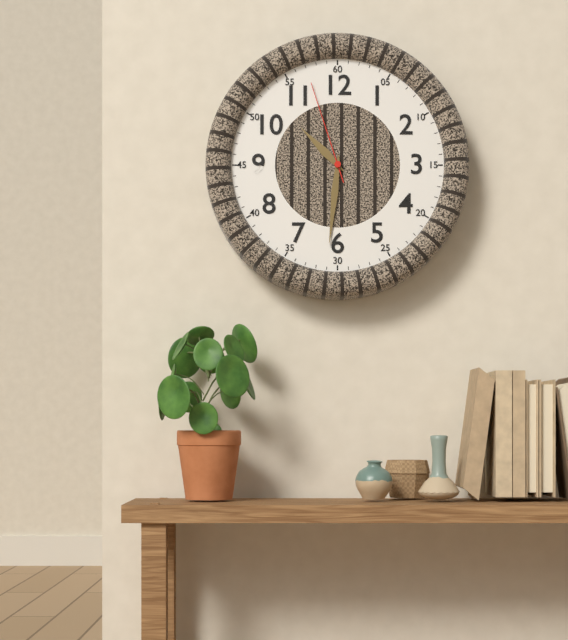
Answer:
h=10 m=31 s=57
